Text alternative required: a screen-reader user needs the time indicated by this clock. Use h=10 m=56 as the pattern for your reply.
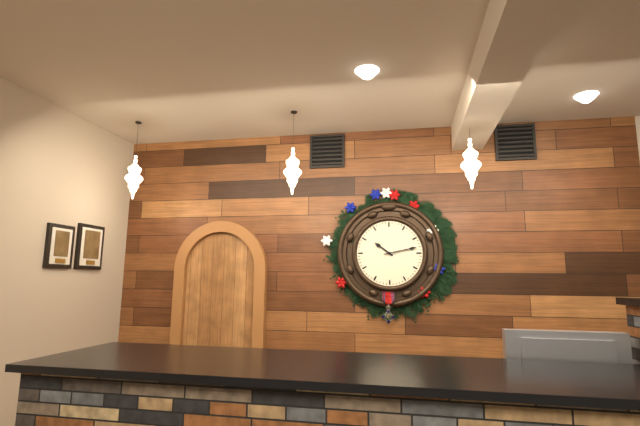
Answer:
h=10 m=13
